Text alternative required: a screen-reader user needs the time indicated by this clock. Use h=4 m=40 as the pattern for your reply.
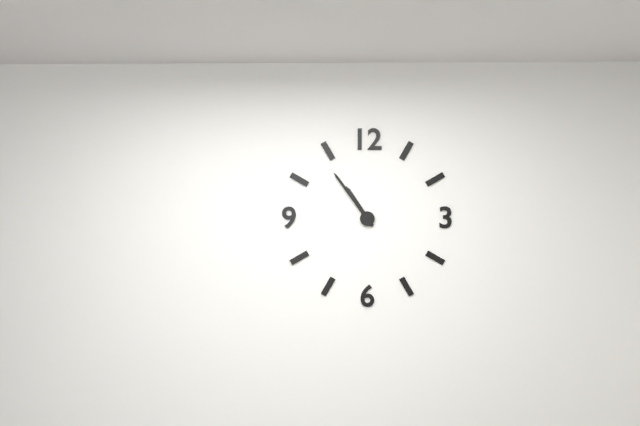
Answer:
h=10 m=54
